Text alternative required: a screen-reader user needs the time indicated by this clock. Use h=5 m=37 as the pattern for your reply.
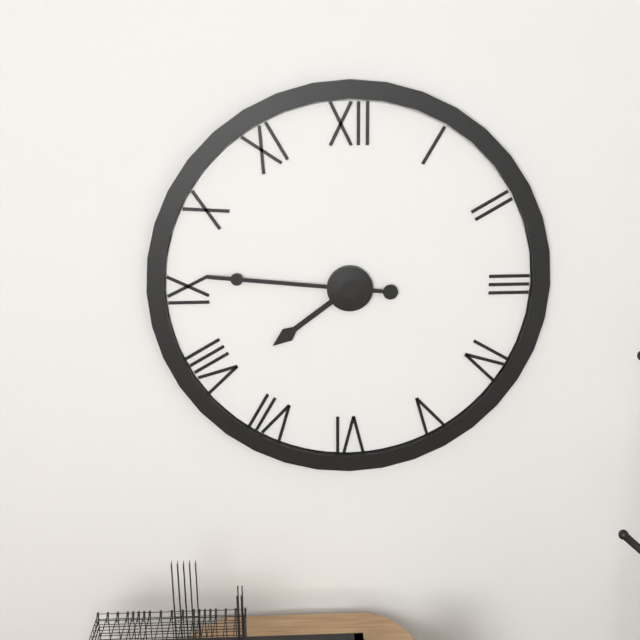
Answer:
h=7 m=46
